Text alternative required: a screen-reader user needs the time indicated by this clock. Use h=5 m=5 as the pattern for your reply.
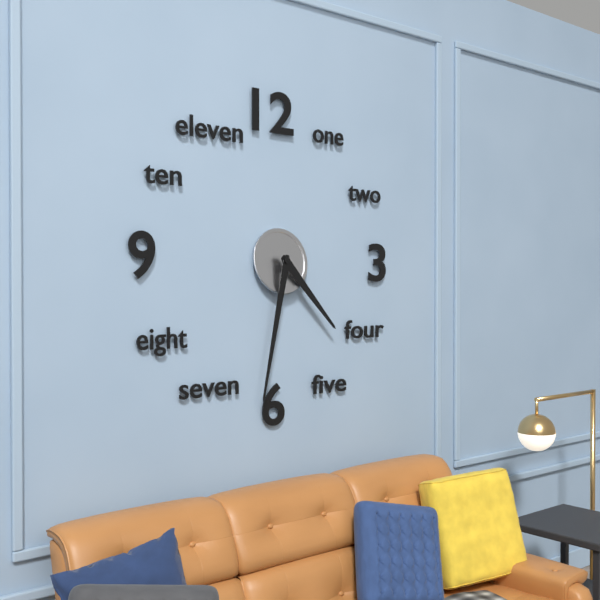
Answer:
h=4 m=32
